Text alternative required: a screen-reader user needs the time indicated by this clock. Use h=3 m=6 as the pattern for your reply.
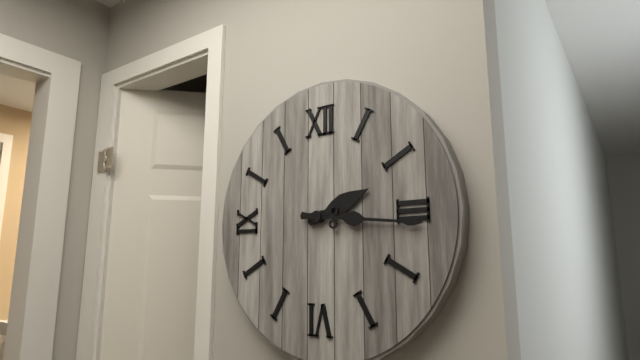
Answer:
h=2 m=16
